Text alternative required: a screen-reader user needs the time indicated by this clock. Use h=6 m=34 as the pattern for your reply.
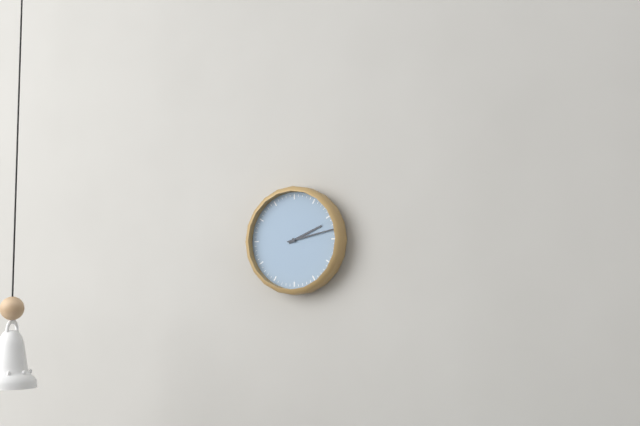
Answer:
h=2 m=13
